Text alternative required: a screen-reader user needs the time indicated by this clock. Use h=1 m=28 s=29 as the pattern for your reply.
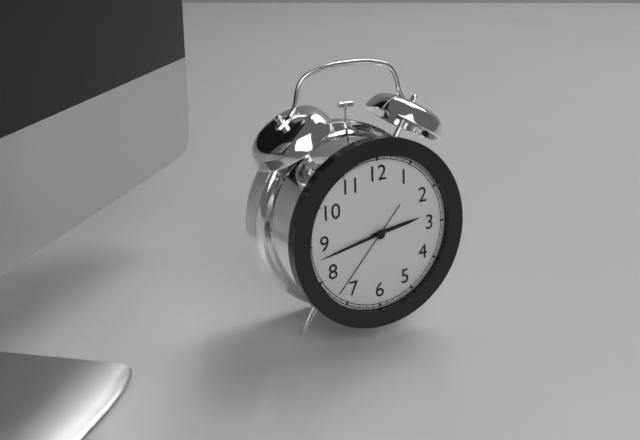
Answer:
h=2 m=43 s=37
